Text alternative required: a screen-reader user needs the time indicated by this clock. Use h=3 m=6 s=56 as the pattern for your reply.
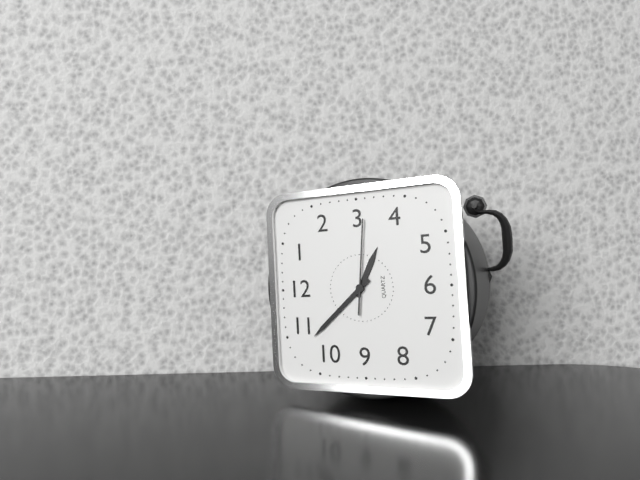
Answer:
h=3 m=53 s=16
